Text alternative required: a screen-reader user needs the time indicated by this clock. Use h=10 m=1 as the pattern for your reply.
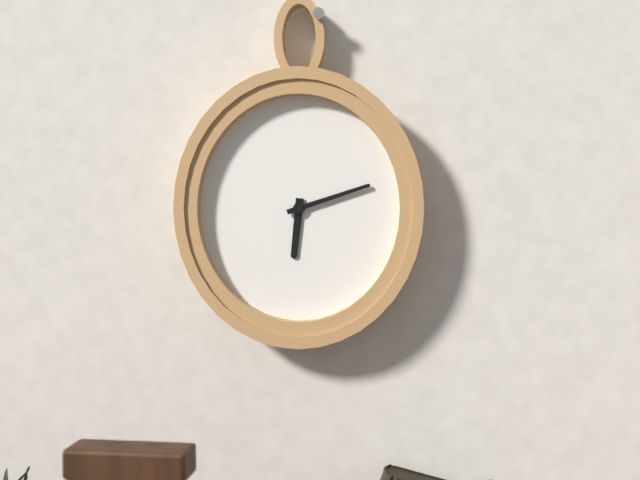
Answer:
h=6 m=12
